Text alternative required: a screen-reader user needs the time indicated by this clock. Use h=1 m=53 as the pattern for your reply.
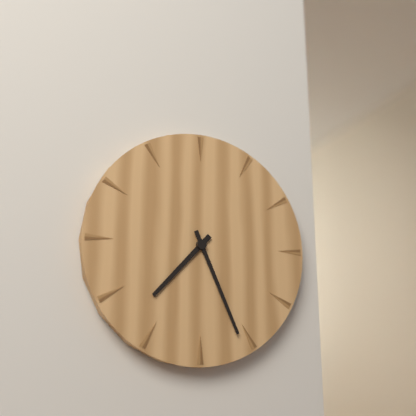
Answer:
h=7 m=26
